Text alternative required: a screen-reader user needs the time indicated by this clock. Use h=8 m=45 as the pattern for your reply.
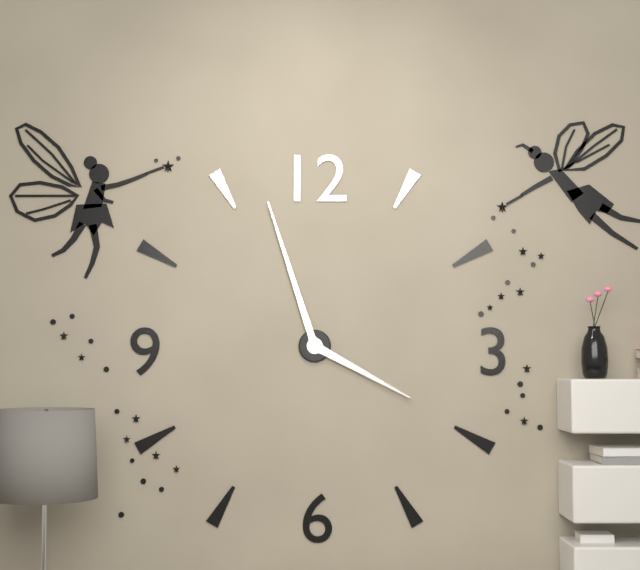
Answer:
h=3 m=57
